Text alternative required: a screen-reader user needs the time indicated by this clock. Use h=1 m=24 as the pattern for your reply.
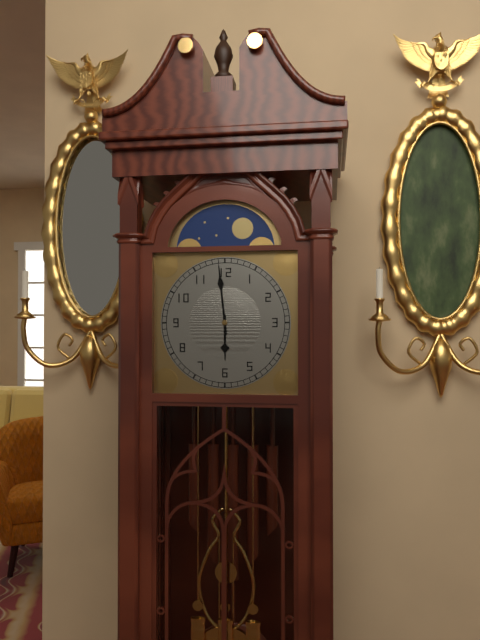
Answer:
h=5 m=59
